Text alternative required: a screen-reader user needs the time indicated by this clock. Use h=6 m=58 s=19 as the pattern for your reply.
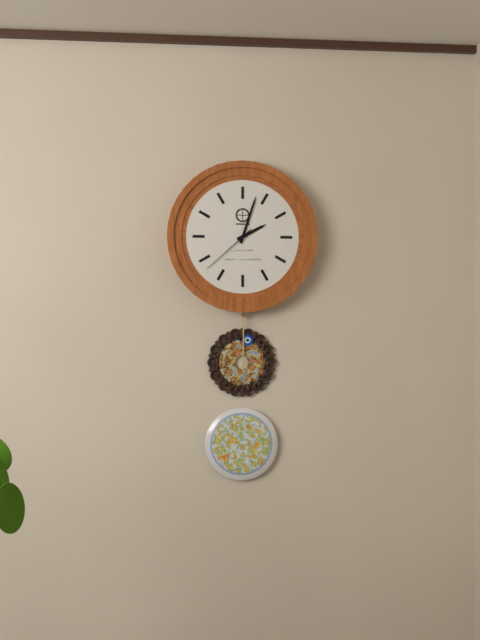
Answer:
h=2 m=3 s=38
